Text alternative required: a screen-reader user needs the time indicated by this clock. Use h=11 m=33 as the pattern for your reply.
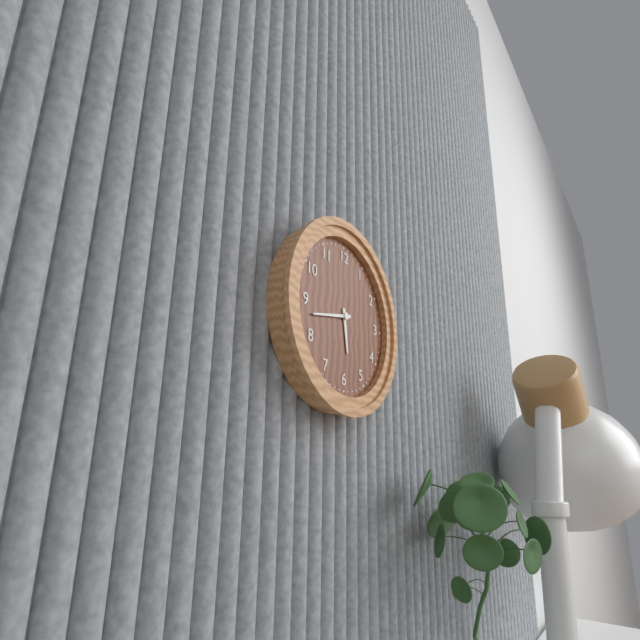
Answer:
h=5 m=43
